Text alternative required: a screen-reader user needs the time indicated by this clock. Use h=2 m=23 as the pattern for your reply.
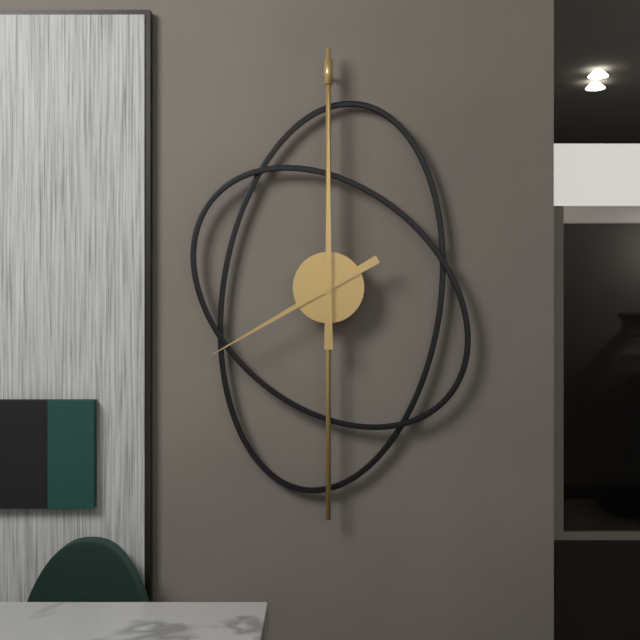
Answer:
h=8 m=0
